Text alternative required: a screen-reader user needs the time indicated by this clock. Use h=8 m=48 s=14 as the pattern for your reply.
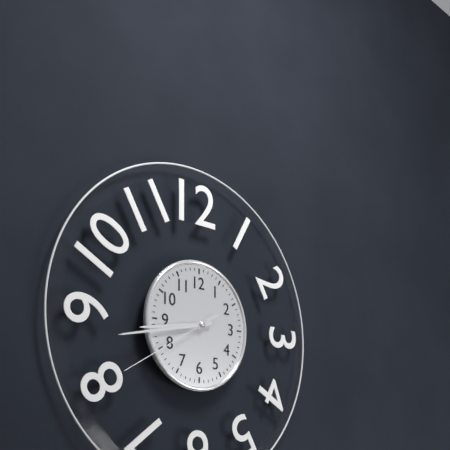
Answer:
h=8 m=43 s=40
